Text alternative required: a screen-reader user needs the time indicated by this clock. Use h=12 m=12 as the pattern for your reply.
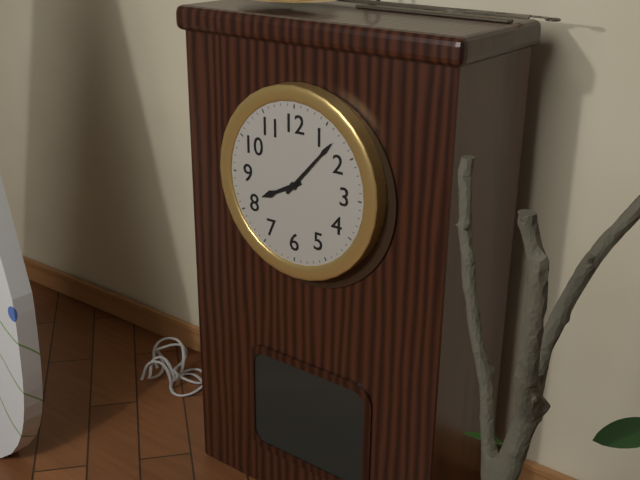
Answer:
h=8 m=7
